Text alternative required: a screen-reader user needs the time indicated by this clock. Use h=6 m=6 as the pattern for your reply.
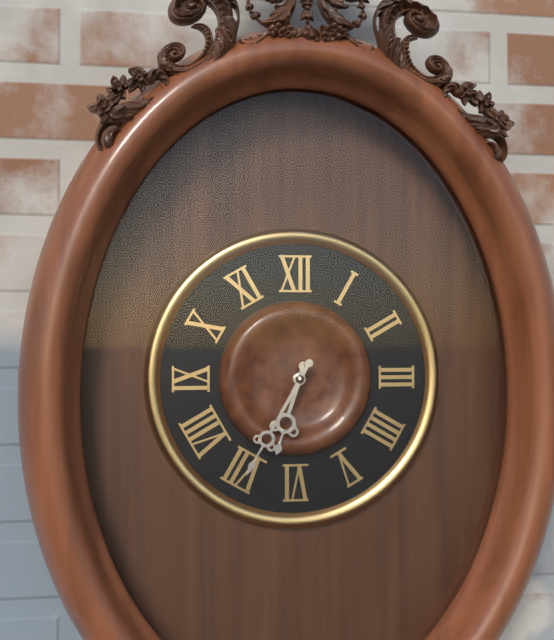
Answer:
h=6 m=35
